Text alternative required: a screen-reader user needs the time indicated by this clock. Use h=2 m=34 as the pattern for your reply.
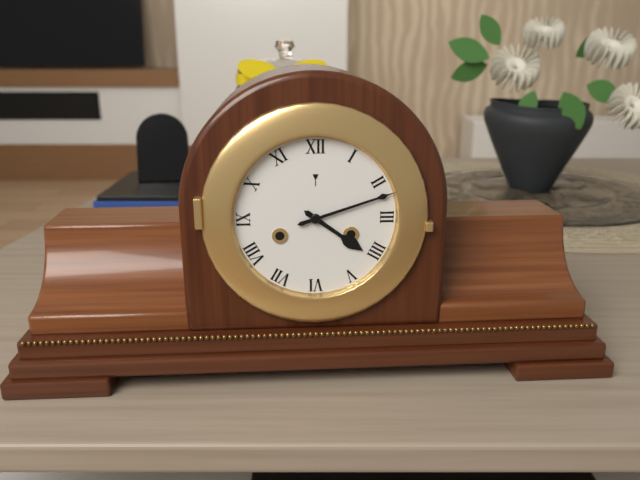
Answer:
h=4 m=12
